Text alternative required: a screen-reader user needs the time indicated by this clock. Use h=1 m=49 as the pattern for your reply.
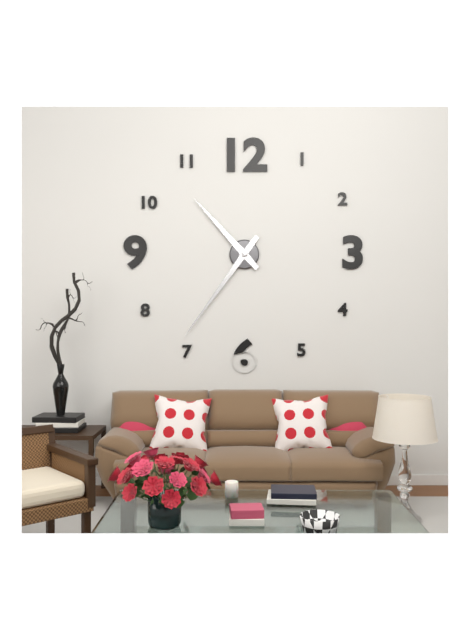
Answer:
h=10 m=36
